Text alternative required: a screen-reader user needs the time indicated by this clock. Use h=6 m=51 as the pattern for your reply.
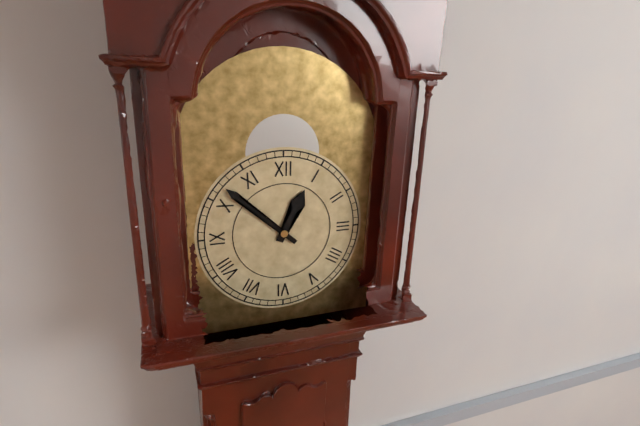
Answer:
h=12 m=52
